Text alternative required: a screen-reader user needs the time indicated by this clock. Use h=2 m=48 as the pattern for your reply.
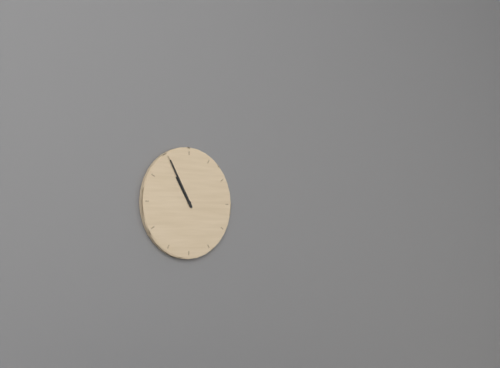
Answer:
h=10 m=55
